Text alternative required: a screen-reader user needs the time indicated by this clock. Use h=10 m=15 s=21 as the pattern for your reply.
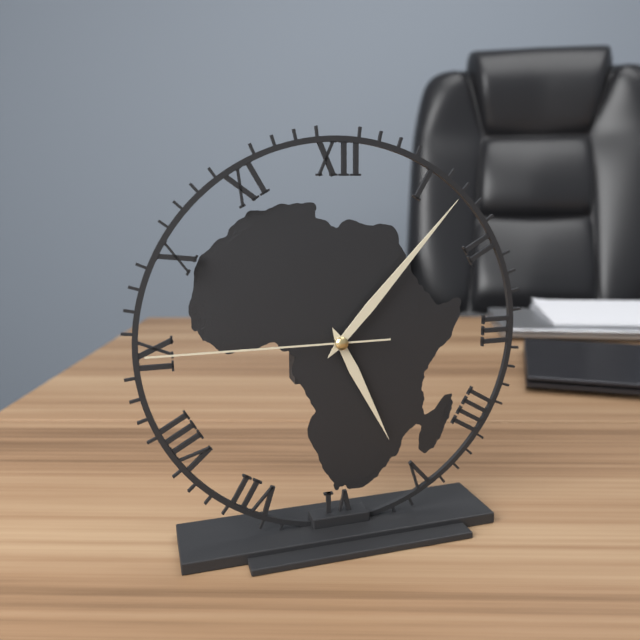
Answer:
h=5 m=7 s=45
